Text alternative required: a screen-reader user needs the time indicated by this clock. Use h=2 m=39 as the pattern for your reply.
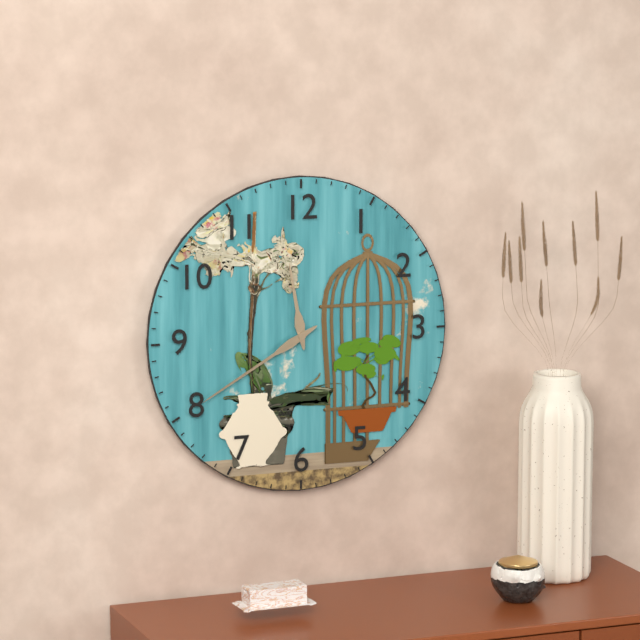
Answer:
h=11 m=40
